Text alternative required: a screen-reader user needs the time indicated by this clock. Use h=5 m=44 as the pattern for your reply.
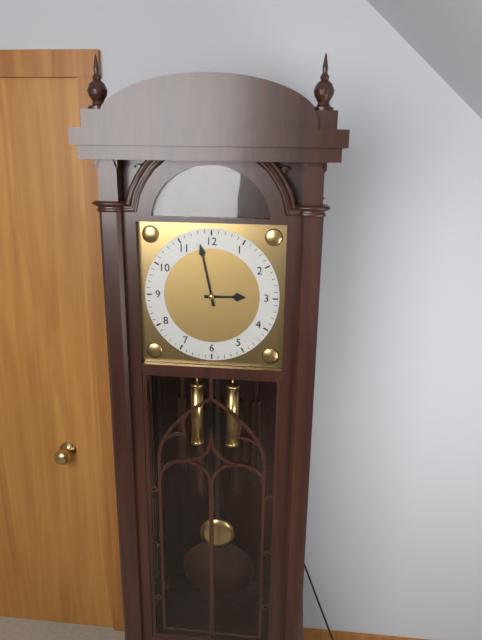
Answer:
h=2 m=58
